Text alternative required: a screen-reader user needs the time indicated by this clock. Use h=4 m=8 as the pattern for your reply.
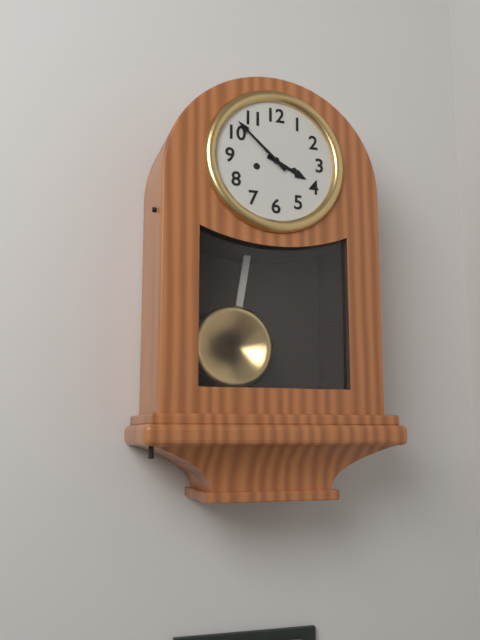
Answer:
h=3 m=52
